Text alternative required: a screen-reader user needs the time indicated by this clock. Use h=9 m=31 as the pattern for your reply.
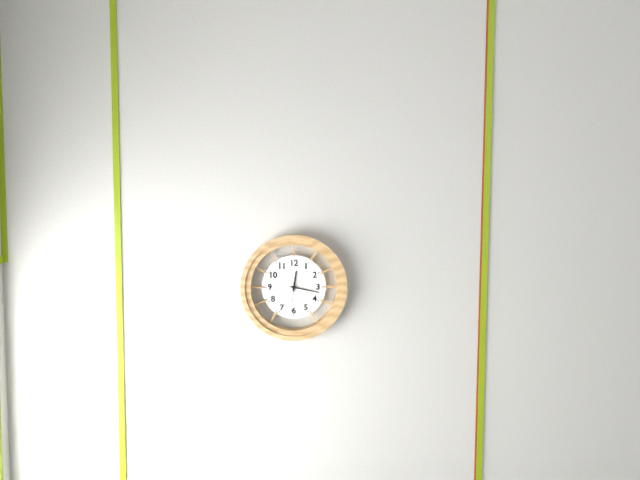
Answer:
h=12 m=17
